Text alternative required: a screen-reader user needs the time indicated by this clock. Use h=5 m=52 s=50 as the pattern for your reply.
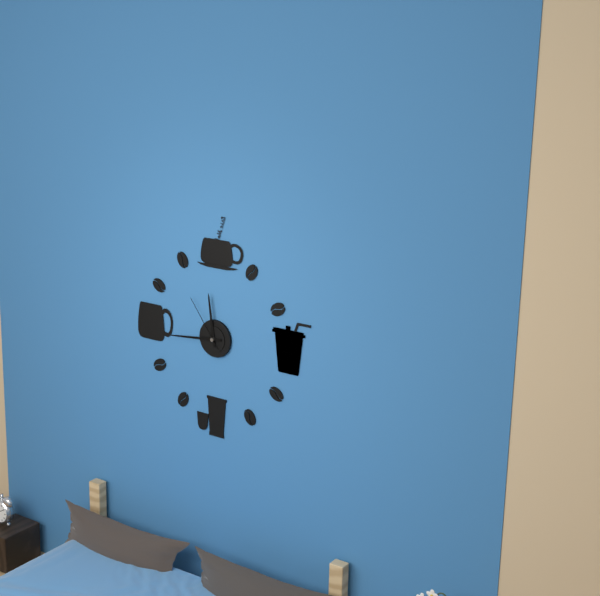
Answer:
h=11 m=44 s=54
